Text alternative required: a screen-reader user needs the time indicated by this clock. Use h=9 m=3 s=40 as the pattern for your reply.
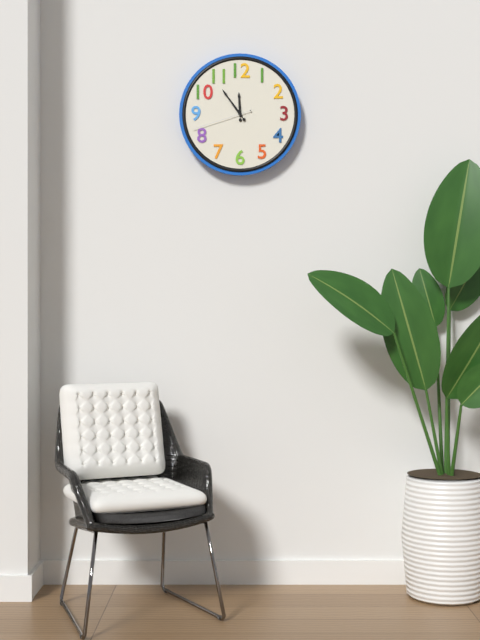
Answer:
h=11 m=54 s=42
